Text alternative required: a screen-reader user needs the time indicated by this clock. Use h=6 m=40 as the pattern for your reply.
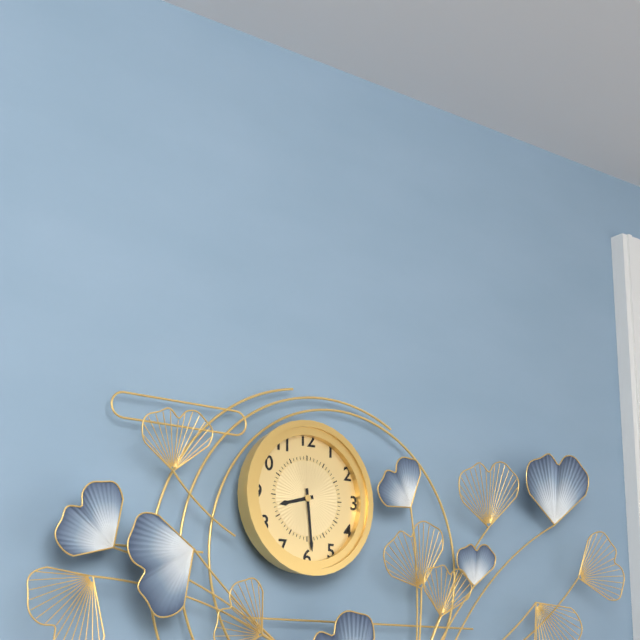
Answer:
h=8 m=29
